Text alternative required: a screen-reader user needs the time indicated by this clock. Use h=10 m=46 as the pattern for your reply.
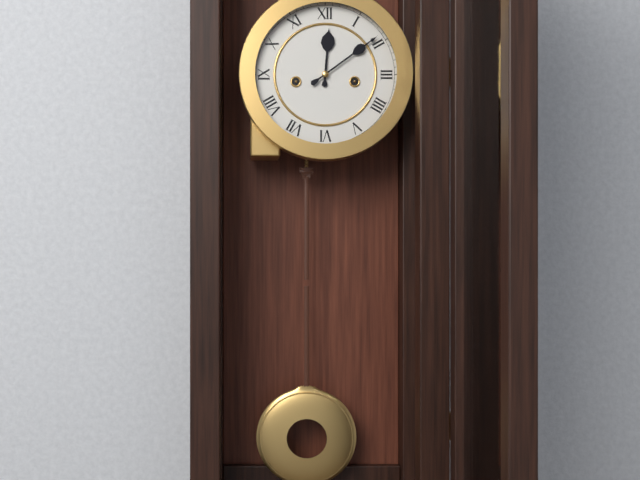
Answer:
h=12 m=9
